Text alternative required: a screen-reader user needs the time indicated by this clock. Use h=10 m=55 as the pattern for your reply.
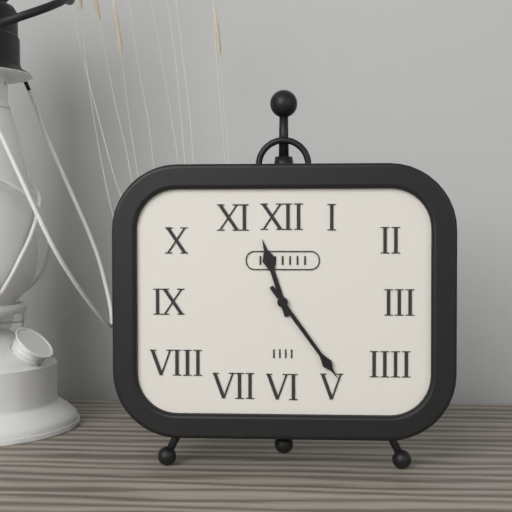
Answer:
h=11 m=24
